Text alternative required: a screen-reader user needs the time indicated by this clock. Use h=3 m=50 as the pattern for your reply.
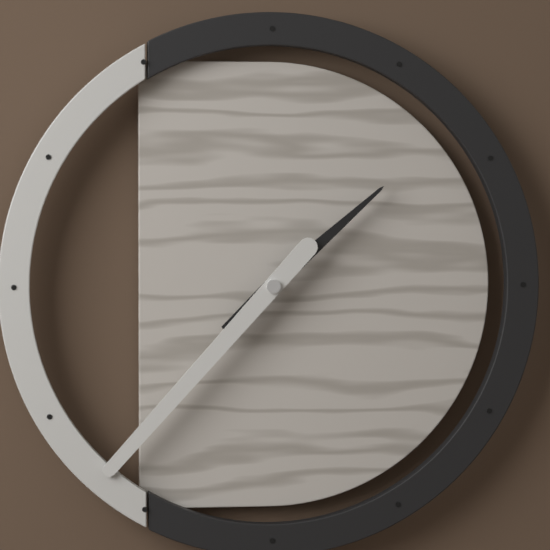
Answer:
h=1 m=37
